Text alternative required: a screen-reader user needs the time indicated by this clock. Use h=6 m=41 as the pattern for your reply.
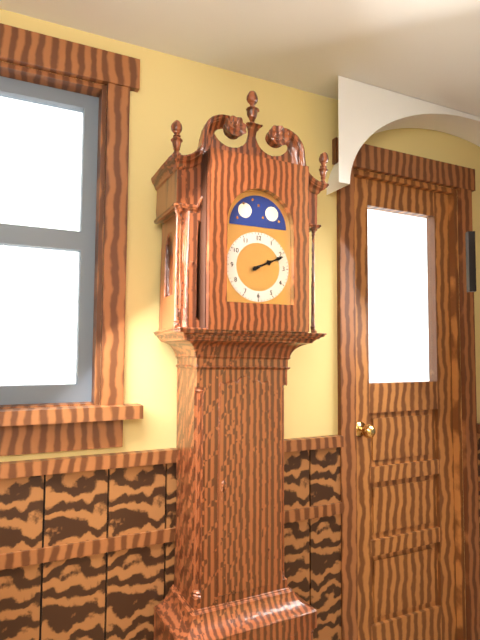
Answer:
h=2 m=11
